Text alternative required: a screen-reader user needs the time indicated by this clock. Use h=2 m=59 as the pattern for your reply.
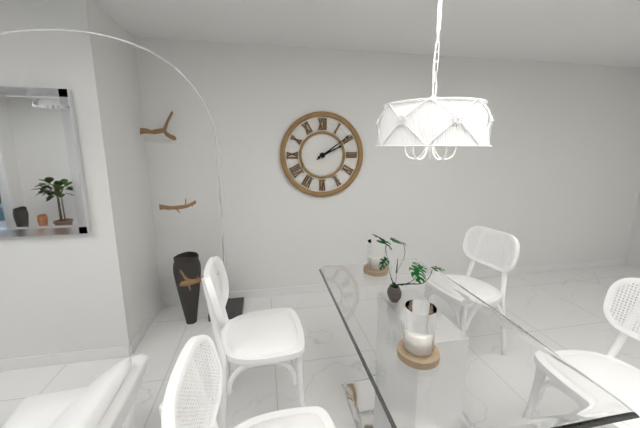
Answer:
h=2 m=9
